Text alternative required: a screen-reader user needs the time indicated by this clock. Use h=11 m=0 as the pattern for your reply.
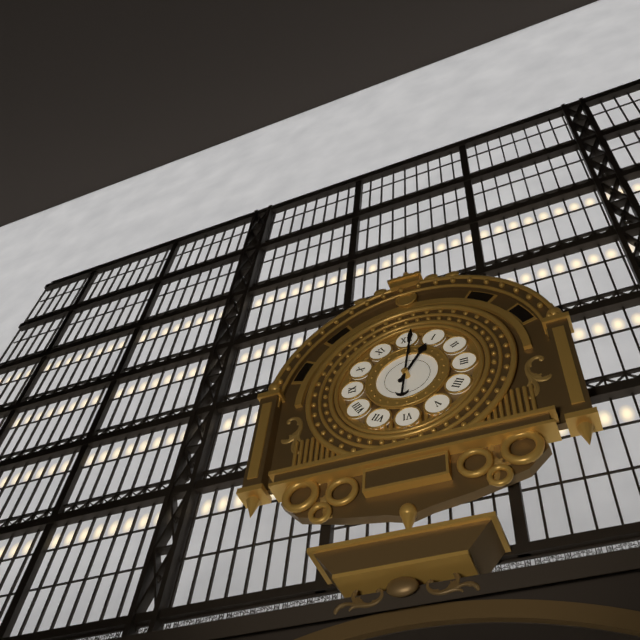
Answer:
h=1 m=1
